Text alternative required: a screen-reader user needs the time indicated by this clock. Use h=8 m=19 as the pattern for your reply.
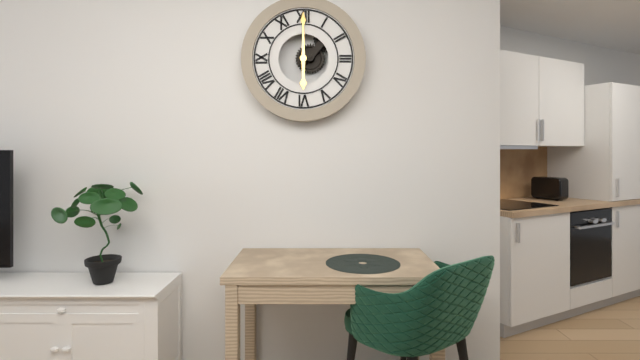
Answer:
h=6 m=0
